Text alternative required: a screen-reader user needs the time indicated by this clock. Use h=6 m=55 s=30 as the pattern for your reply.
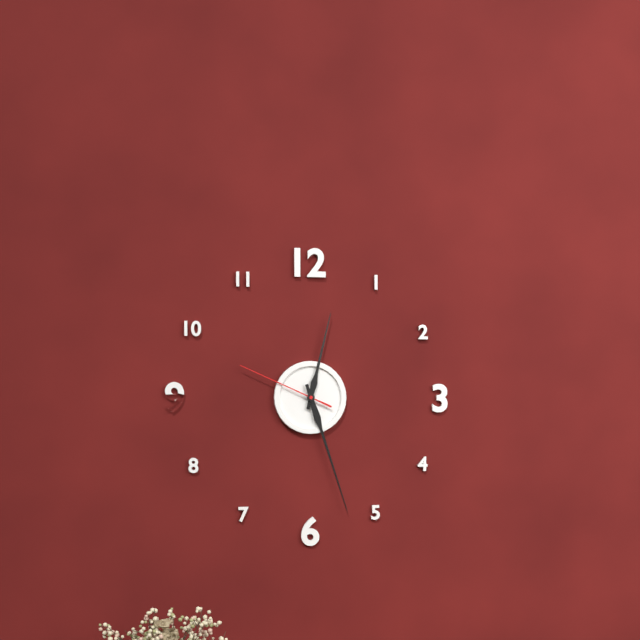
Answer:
h=12 m=27 s=49
